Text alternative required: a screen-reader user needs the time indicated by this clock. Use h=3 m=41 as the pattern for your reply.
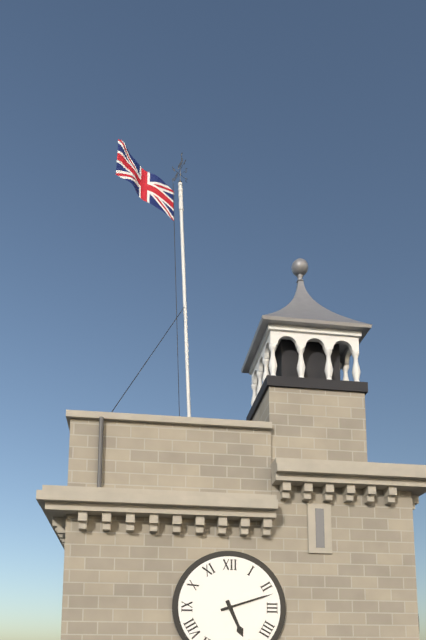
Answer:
h=5 m=12
